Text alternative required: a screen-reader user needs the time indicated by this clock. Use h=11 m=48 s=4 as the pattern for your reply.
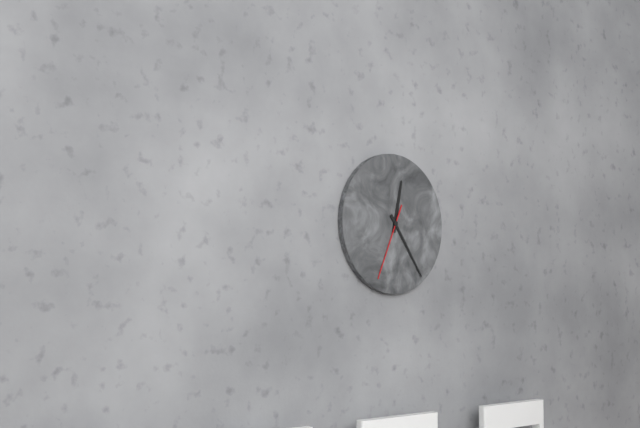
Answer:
h=12 m=24 s=34
